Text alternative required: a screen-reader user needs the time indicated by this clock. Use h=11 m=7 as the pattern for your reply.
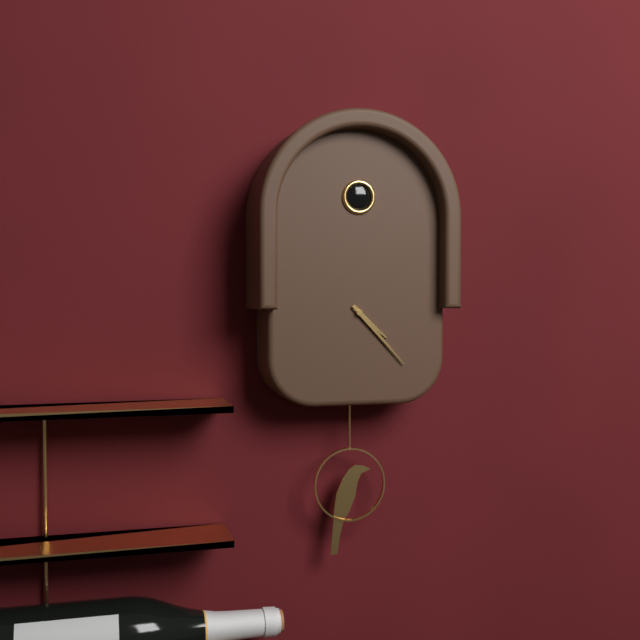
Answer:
h=4 m=23
